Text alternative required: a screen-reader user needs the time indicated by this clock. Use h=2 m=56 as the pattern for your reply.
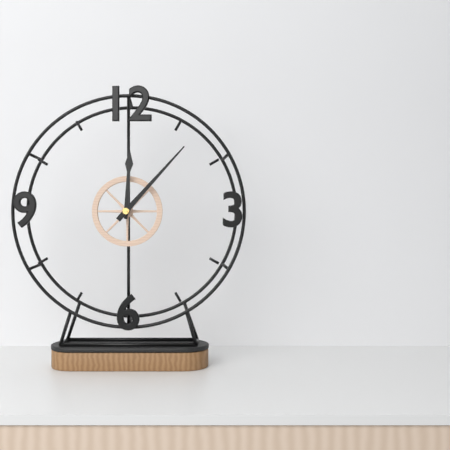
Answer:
h=12 m=7
